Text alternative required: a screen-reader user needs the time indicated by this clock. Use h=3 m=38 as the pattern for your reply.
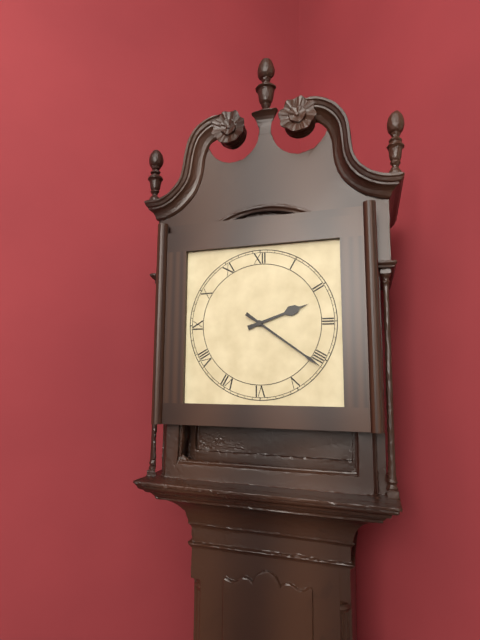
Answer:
h=2 m=21
